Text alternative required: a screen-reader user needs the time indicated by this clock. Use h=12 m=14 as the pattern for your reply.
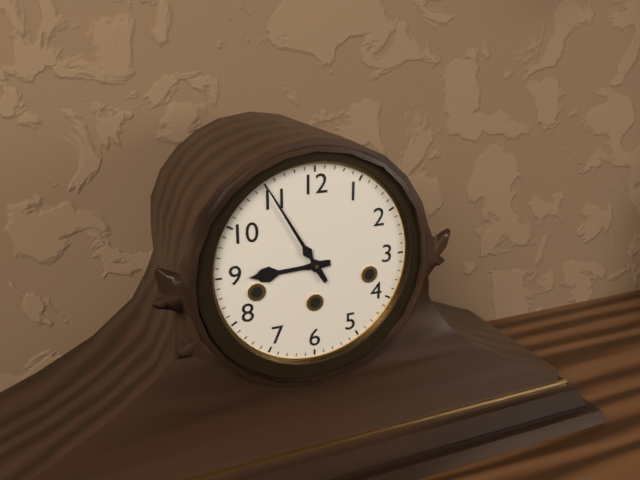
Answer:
h=8 m=55
